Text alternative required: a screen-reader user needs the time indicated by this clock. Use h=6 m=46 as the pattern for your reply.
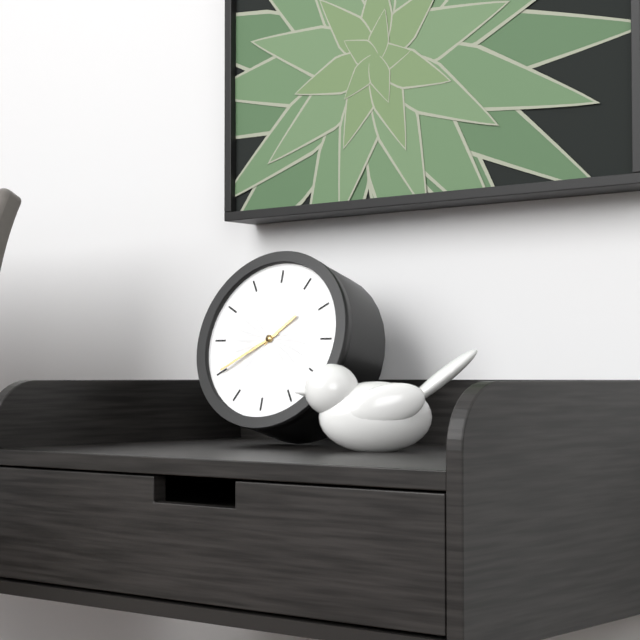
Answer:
h=1 m=40
